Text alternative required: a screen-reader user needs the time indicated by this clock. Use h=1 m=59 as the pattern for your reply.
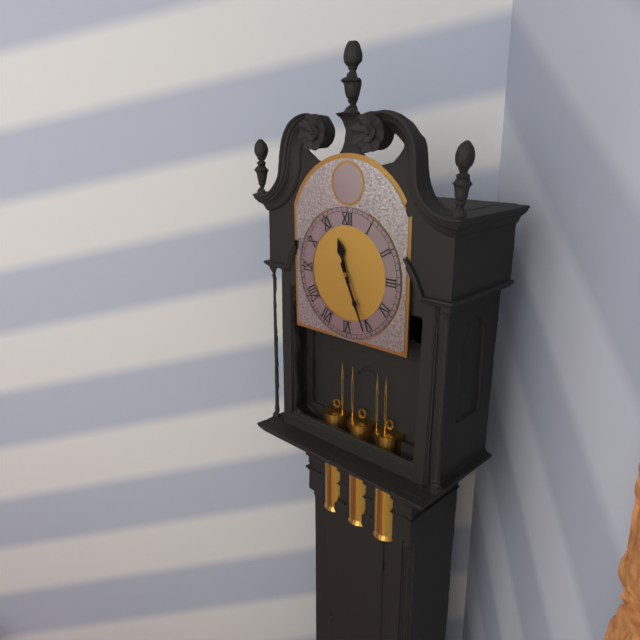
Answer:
h=11 m=26
